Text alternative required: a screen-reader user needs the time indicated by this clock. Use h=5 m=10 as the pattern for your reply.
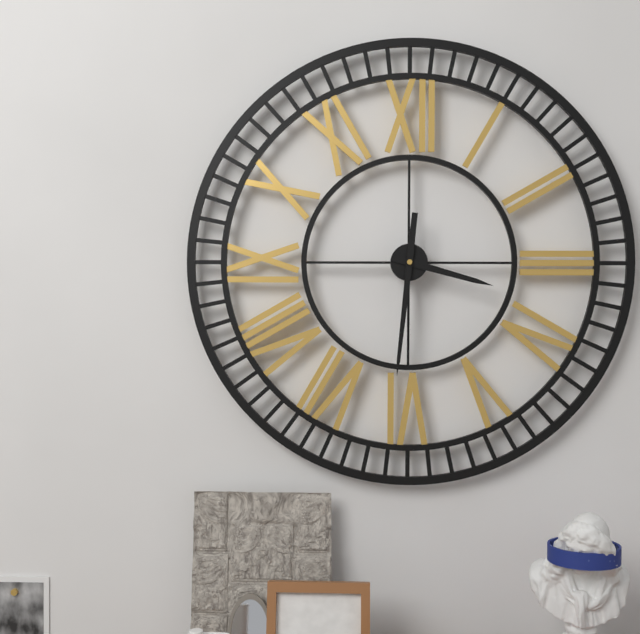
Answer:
h=3 m=31
